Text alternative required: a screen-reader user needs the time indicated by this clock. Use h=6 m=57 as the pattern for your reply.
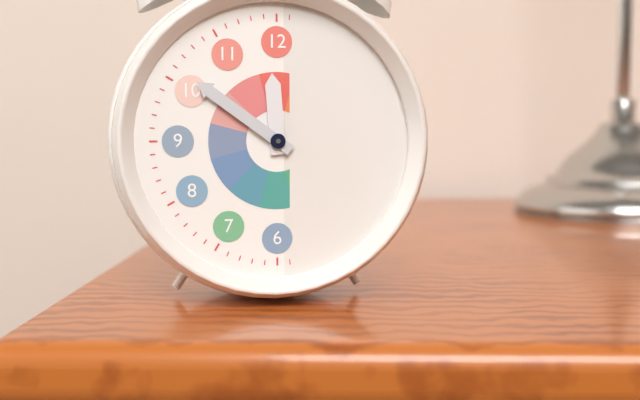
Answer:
h=11 m=51
